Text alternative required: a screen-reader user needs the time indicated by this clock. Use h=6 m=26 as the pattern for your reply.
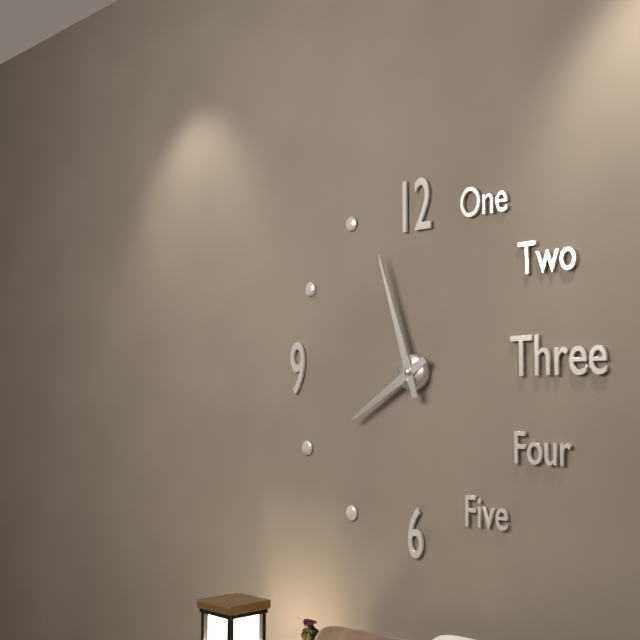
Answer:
h=7 m=57
